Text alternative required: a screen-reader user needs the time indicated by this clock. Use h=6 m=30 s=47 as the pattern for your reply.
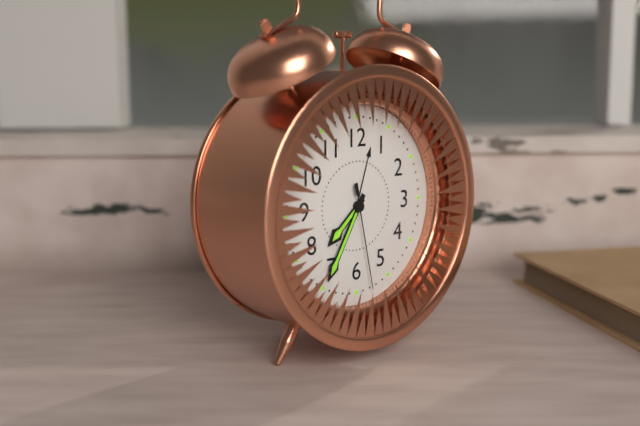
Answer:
h=7 m=35 s=28
